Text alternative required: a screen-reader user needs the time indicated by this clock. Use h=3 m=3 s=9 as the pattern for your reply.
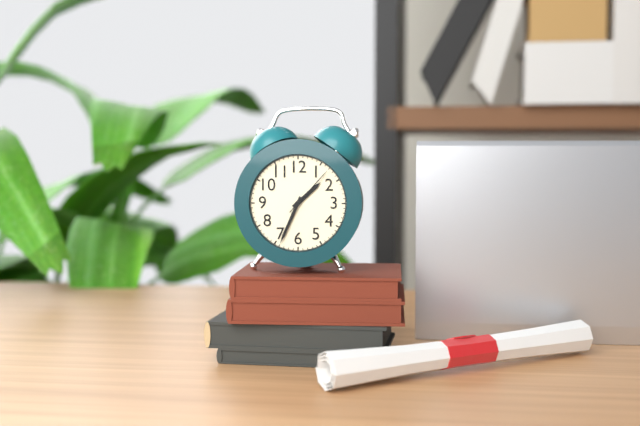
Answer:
h=1 m=34 s=7
